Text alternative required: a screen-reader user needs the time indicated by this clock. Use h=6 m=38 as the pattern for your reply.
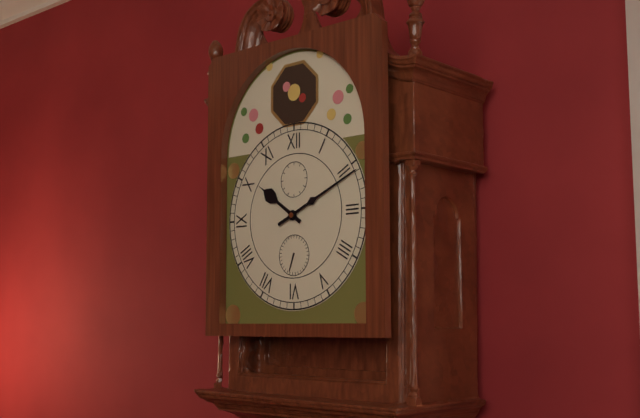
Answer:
h=10 m=11
